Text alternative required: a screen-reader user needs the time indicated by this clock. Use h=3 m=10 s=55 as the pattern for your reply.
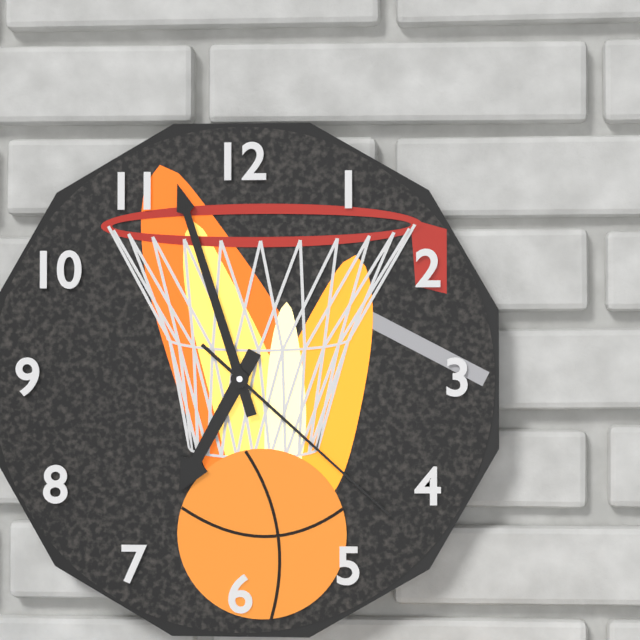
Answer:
h=6 m=57 s=22
